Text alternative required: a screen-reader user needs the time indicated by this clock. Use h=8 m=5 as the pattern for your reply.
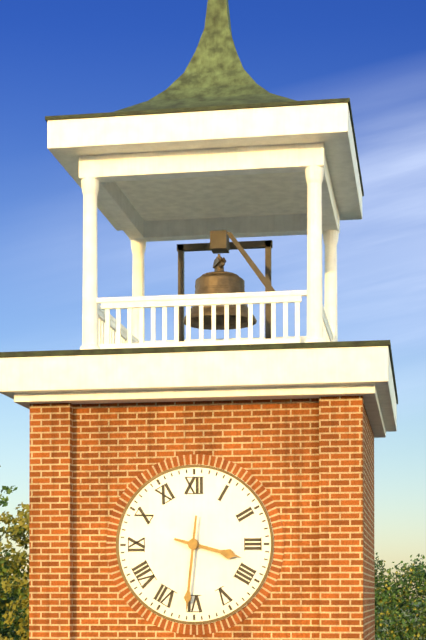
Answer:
h=3 m=31
